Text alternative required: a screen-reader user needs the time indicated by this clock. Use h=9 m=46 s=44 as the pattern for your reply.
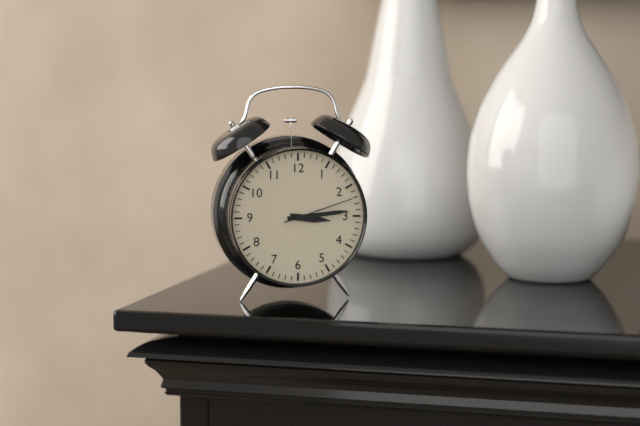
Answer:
h=3 m=14 s=12
